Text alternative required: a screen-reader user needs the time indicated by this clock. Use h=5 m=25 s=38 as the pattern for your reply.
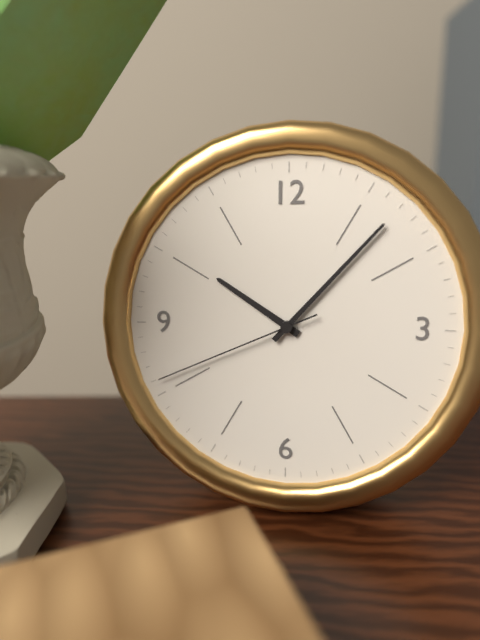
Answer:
h=10 m=7 s=41
